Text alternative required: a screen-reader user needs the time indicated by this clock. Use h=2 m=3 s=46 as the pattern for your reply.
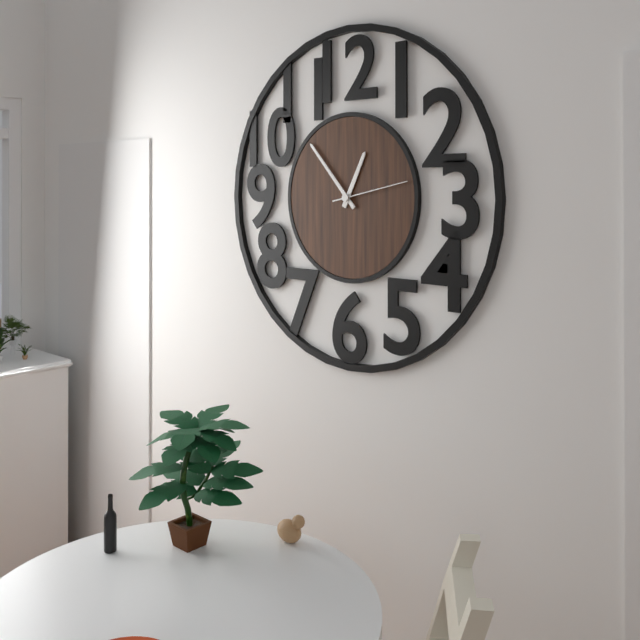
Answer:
h=12 m=53 s=13
